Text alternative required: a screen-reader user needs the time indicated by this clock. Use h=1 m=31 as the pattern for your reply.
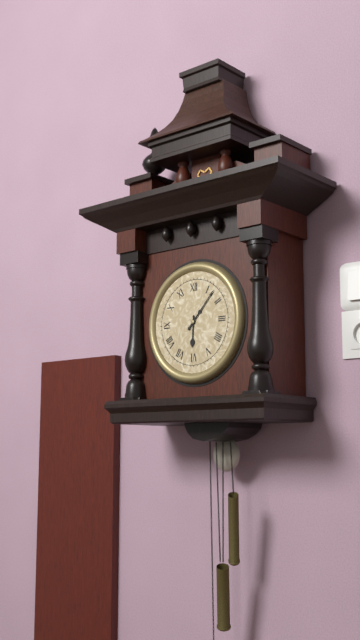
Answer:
h=6 m=7
